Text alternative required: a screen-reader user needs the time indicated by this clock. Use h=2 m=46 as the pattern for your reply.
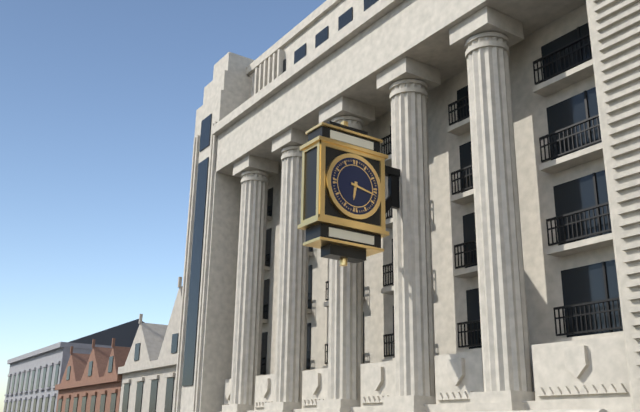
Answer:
h=6 m=17
